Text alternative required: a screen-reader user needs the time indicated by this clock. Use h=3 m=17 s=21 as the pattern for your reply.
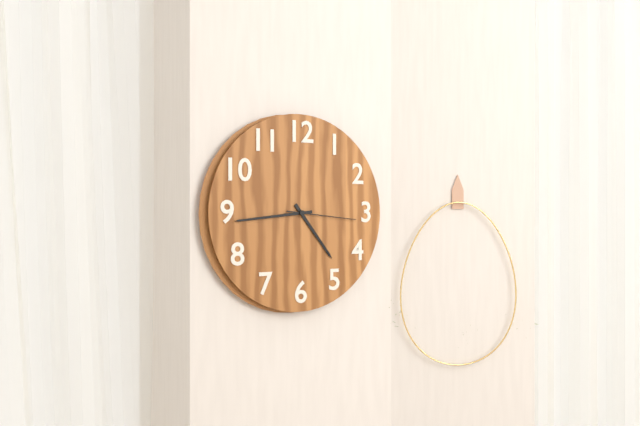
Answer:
h=4 m=44 s=16
